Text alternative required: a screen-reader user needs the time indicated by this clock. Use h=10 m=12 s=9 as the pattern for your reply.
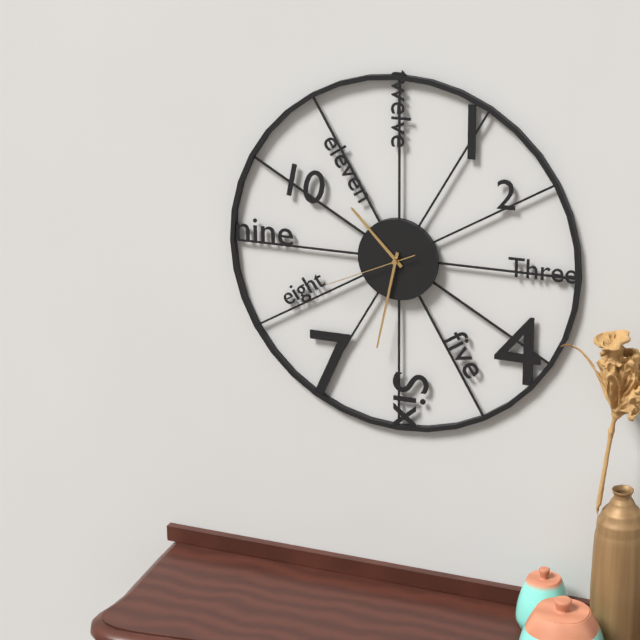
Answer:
h=10 m=32 s=41
